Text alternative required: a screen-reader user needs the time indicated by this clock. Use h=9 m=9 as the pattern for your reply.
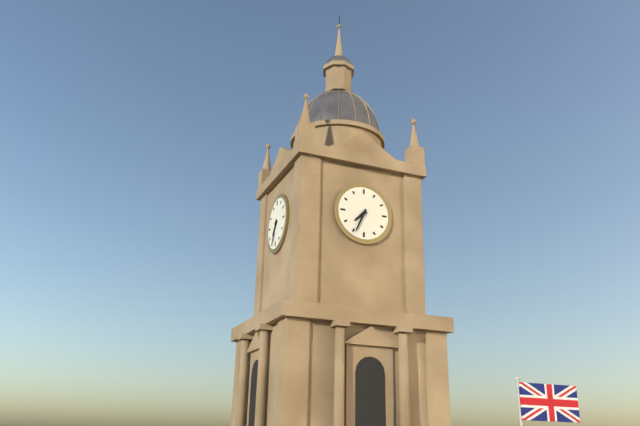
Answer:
h=7 m=34
